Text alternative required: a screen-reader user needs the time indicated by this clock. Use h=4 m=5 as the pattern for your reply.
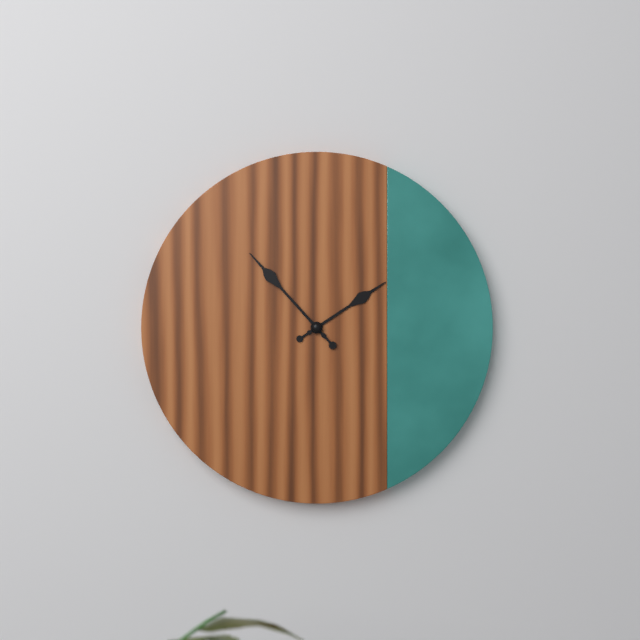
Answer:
h=1 m=53
